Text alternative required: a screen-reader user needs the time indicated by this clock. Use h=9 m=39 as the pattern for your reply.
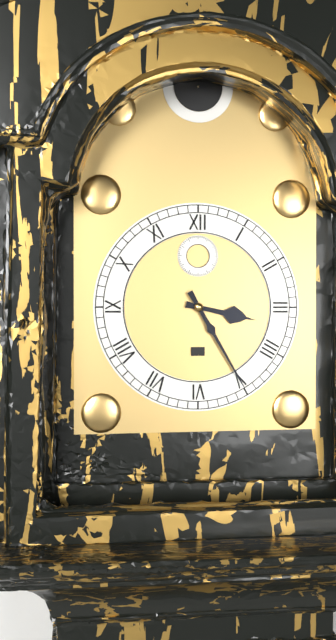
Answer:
h=3 m=25
